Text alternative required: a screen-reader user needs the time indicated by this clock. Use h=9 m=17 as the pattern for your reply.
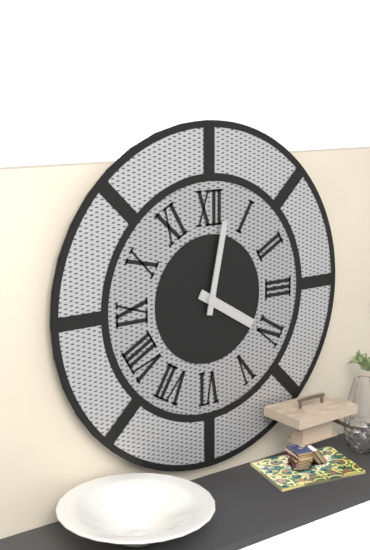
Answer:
h=4 m=2
